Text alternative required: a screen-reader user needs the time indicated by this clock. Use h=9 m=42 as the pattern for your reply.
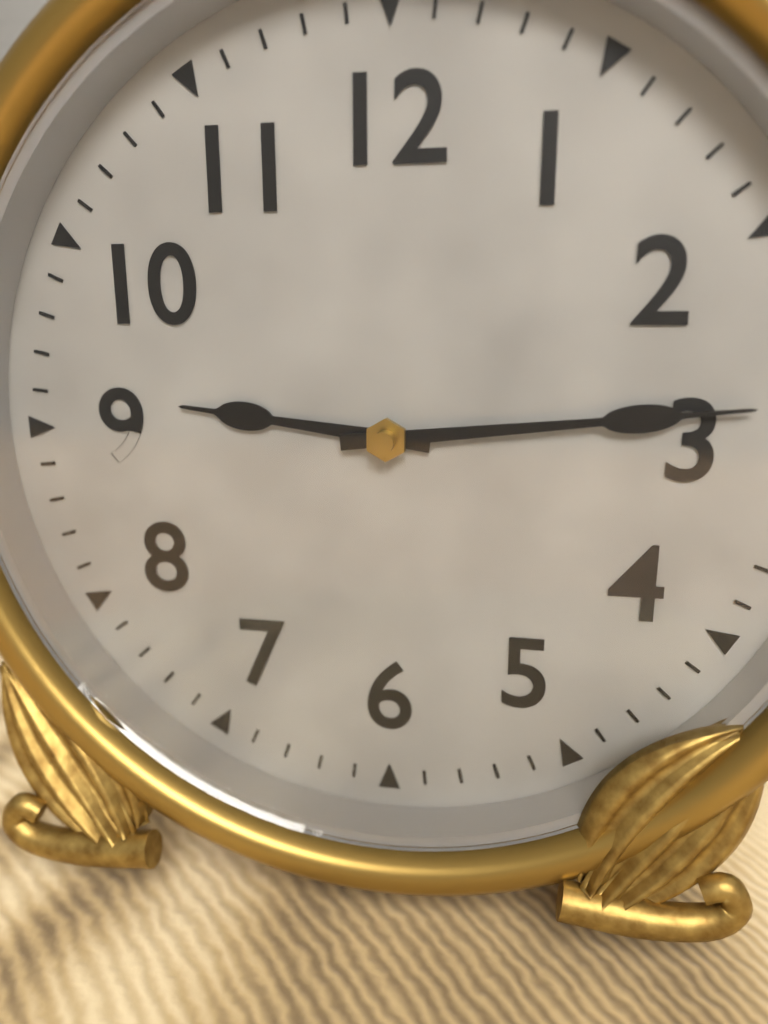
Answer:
h=9 m=14
